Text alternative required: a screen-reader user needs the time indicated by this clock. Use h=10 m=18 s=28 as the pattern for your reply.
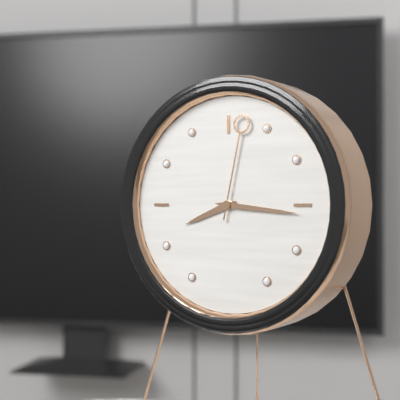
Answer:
h=8 m=16 s=2
